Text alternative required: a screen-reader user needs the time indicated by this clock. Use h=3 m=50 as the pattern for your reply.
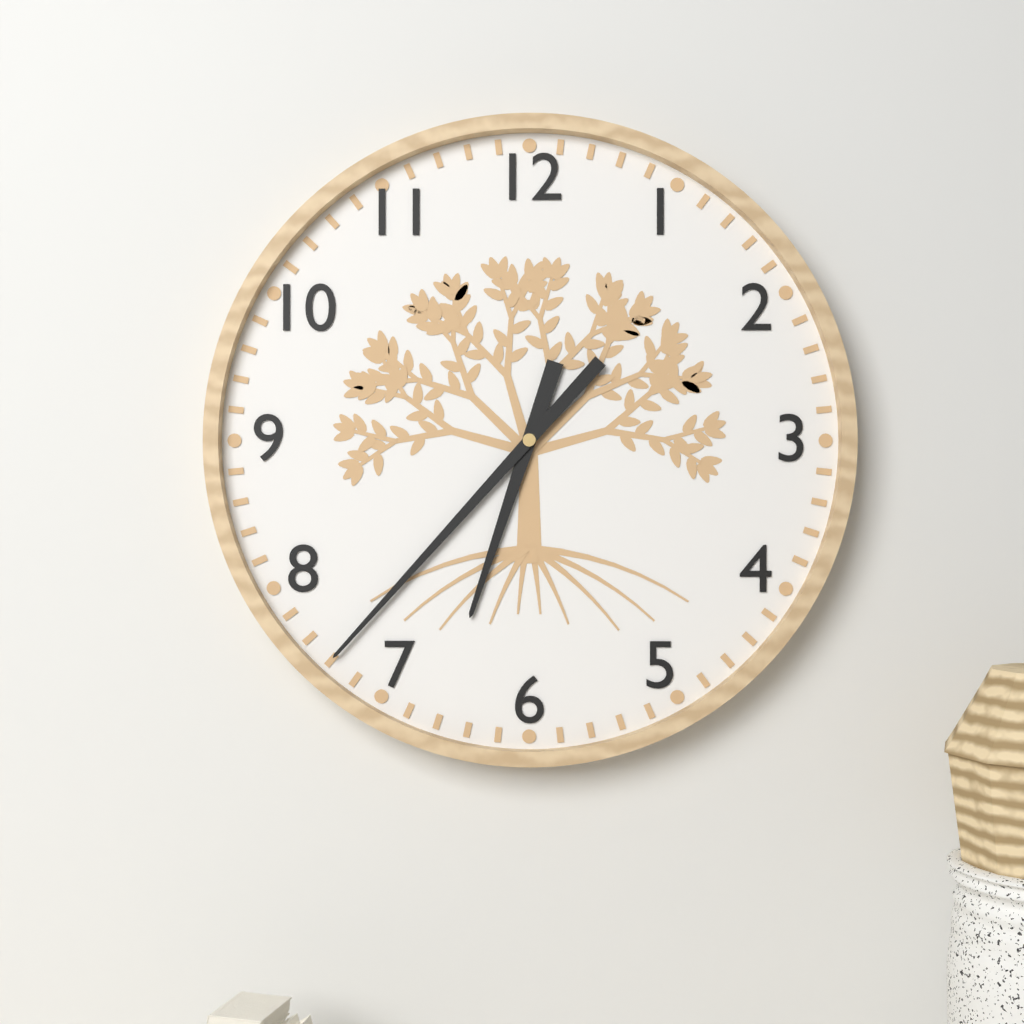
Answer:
h=6 m=37
